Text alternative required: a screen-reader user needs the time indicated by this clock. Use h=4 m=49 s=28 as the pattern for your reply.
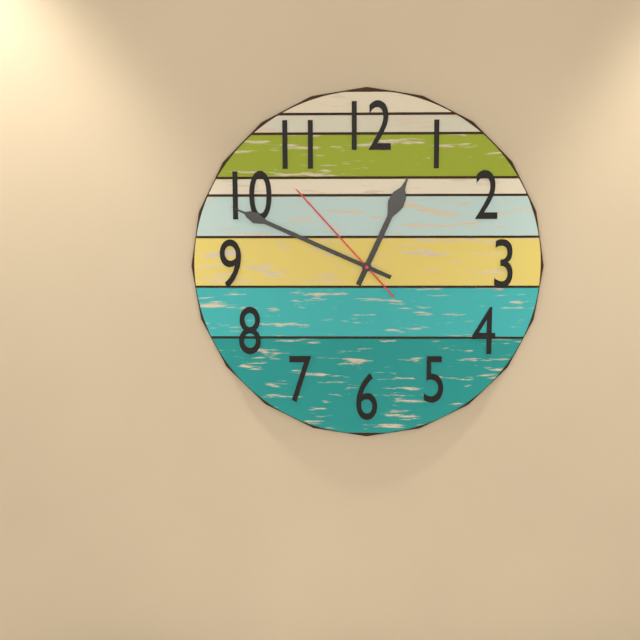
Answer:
h=12 m=49 s=53
